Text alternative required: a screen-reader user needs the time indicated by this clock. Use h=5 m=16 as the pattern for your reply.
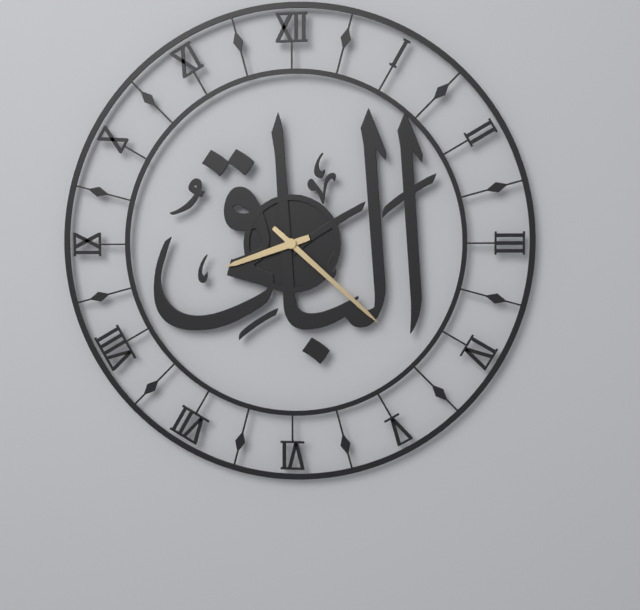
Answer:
h=8 m=22
